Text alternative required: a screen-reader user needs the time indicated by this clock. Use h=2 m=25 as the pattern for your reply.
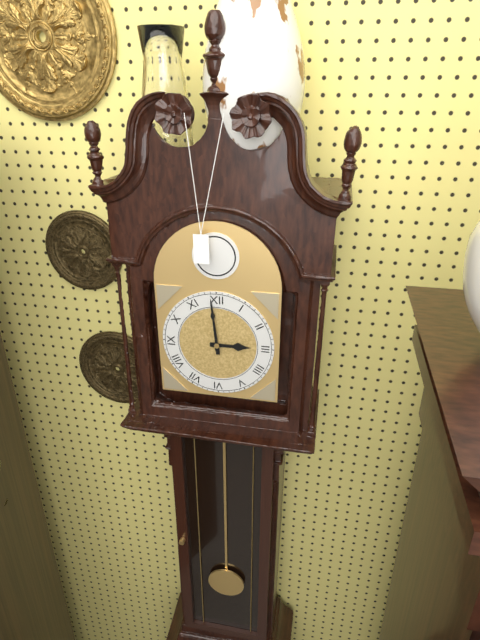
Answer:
h=2 m=59
